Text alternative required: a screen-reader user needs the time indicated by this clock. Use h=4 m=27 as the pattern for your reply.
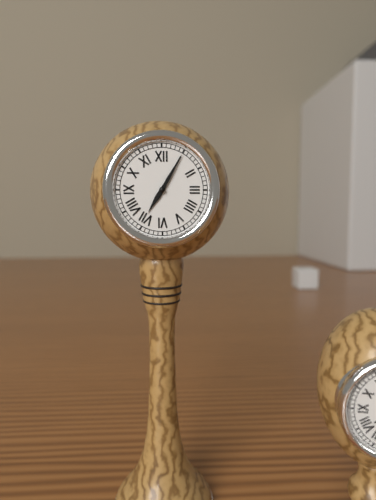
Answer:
h=7 m=5
